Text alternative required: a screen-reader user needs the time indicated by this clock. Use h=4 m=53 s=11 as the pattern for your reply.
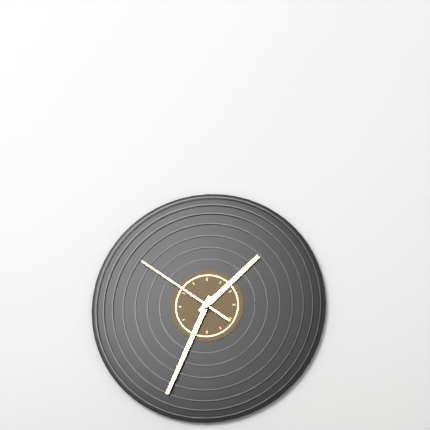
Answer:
h=1 m=34 s=51
